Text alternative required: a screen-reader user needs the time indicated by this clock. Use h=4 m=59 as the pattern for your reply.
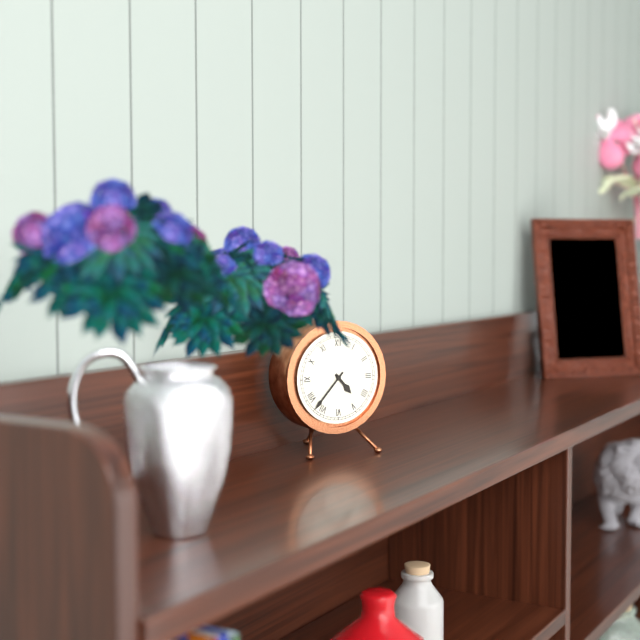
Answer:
h=4 m=37
